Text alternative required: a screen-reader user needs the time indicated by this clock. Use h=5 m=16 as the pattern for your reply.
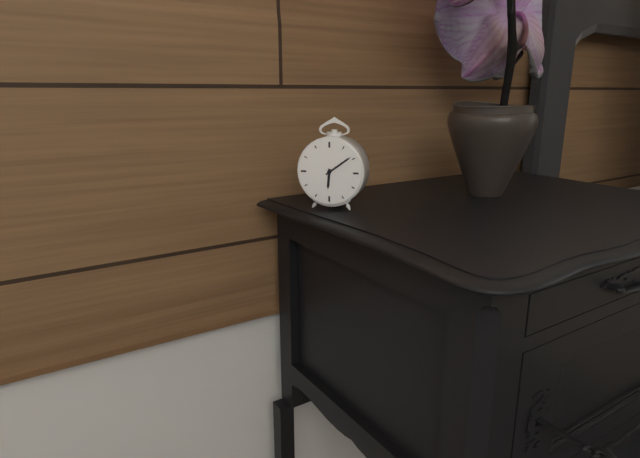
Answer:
h=6 m=9
